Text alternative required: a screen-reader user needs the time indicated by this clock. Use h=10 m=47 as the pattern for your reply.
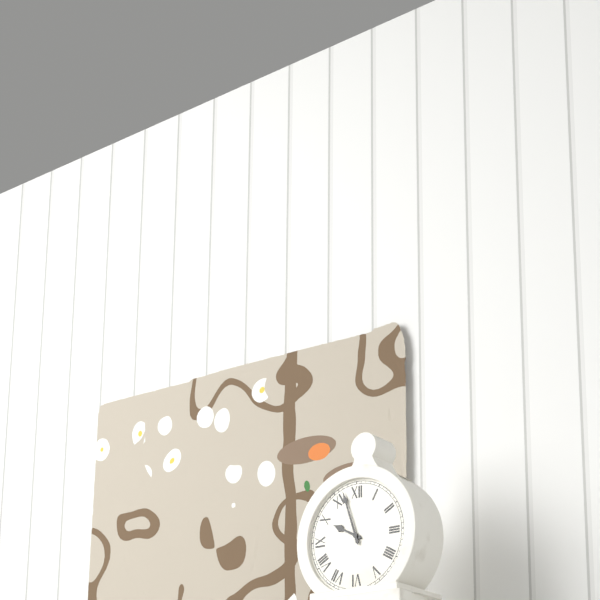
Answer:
h=9 m=57
